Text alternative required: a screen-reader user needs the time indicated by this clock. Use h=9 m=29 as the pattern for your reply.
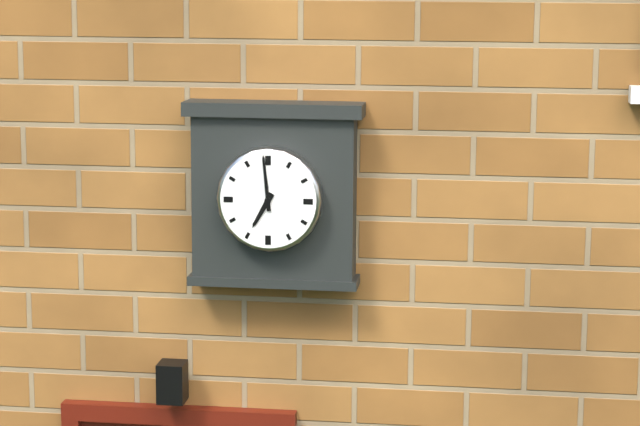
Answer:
h=6 m=59
